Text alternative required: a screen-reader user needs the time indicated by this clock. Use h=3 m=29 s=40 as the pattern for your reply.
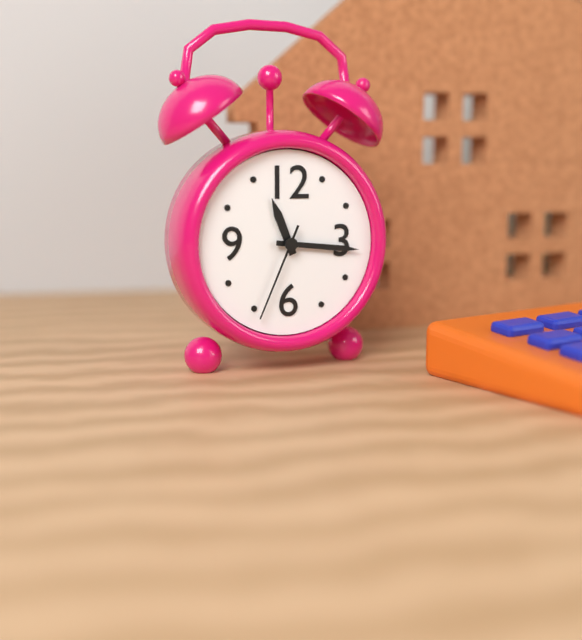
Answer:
h=11 m=16 s=34
